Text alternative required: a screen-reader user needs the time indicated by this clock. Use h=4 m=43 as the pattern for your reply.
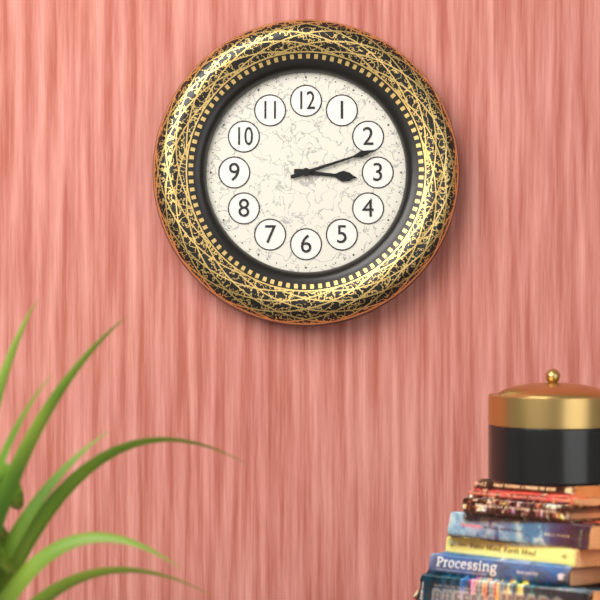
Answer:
h=3 m=12
